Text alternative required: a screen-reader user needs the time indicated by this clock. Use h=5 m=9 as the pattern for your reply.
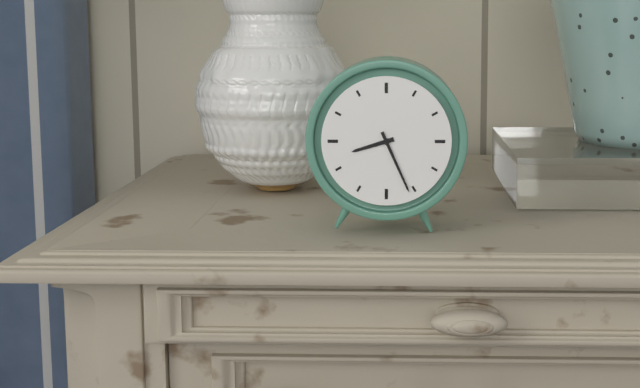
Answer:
h=8 m=26
